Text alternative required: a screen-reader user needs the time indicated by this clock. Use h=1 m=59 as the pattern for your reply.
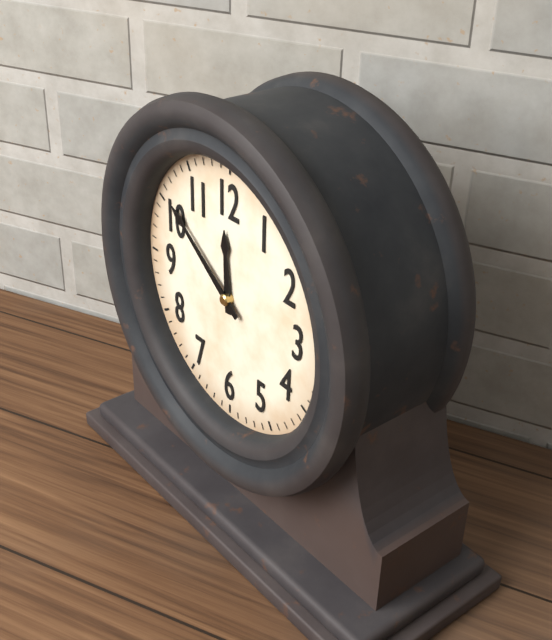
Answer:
h=11 m=51
